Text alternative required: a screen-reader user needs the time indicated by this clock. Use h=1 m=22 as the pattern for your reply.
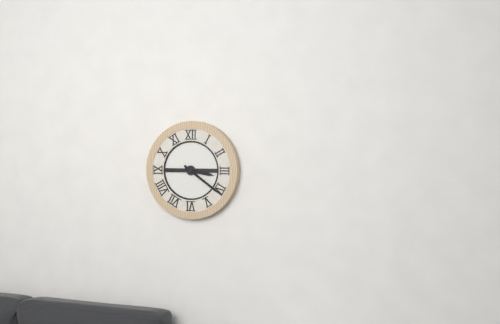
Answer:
h=3 m=21
